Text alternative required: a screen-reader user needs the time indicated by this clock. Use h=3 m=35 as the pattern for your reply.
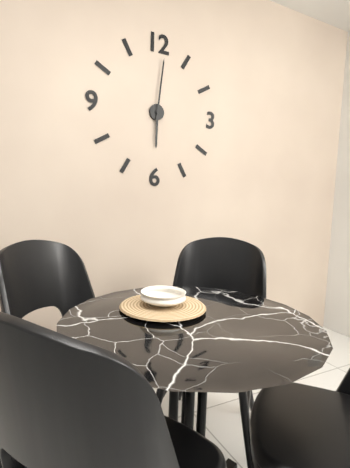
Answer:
h=6 m=1
